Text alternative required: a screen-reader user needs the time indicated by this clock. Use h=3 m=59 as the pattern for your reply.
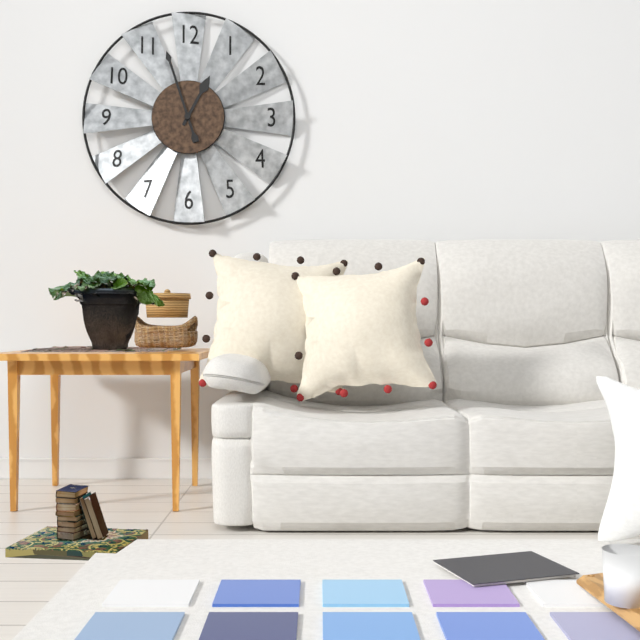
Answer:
h=12 m=57
